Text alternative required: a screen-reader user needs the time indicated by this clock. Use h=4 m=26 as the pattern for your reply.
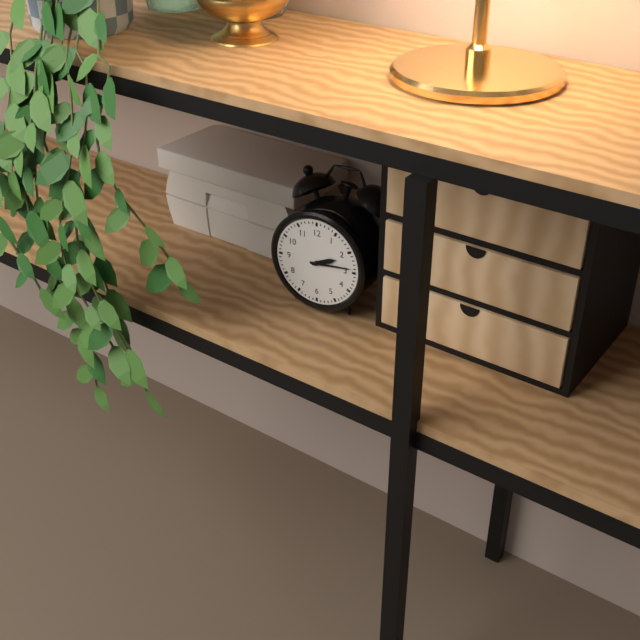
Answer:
h=2 m=14
